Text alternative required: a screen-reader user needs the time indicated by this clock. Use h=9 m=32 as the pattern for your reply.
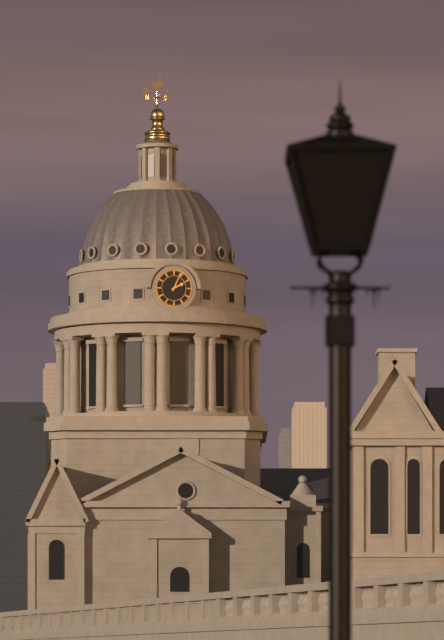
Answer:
h=2 m=4
